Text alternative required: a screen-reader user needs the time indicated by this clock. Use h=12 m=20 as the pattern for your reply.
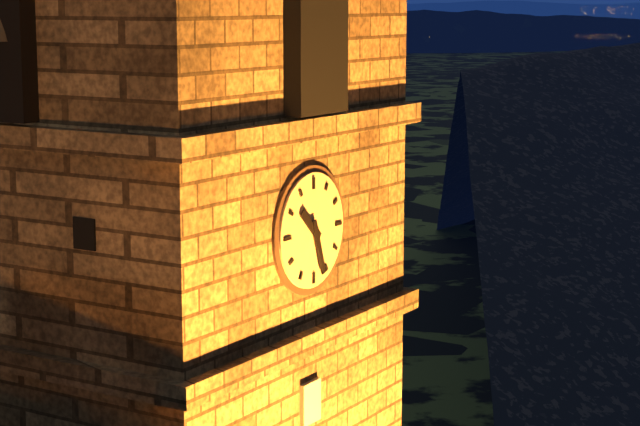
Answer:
h=10 m=27
